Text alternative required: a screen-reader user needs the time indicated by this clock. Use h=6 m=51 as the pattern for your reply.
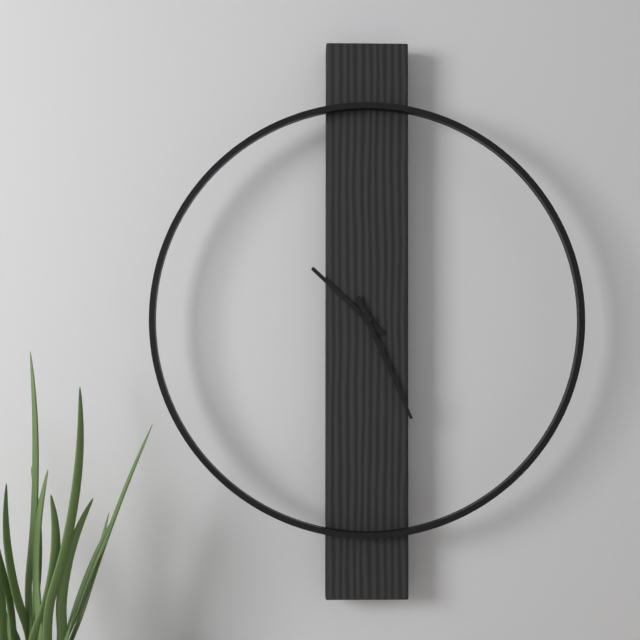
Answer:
h=10 m=26
